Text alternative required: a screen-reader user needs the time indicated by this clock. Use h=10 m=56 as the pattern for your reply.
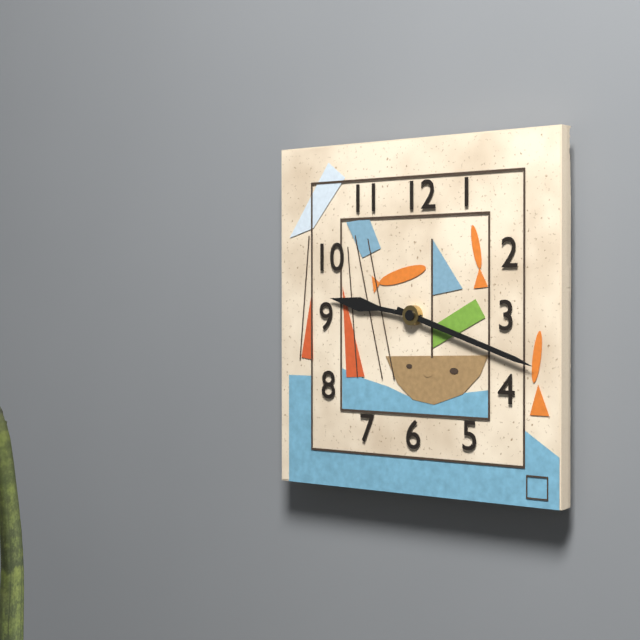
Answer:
h=9 m=18
